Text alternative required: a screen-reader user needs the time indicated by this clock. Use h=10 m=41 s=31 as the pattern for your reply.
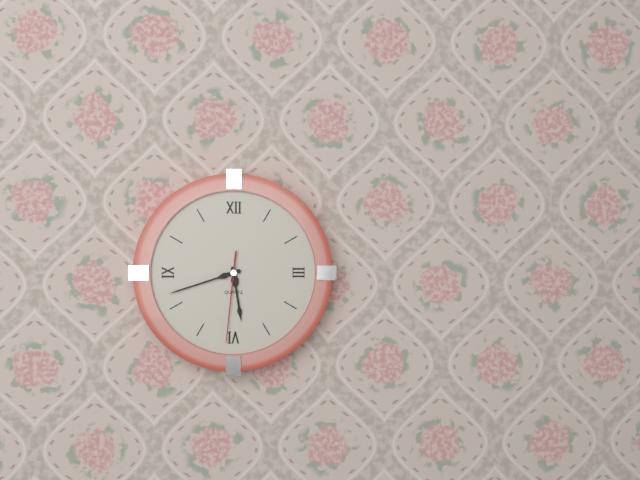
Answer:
h=5 m=42 s=31
